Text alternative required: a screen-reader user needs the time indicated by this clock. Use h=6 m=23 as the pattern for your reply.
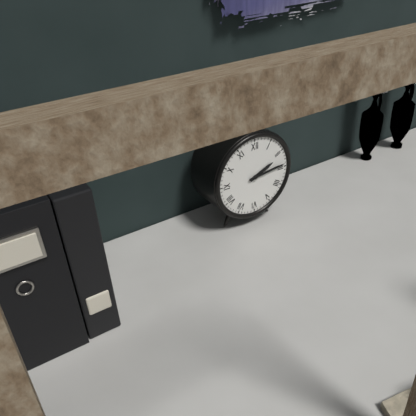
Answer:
h=2 m=14
